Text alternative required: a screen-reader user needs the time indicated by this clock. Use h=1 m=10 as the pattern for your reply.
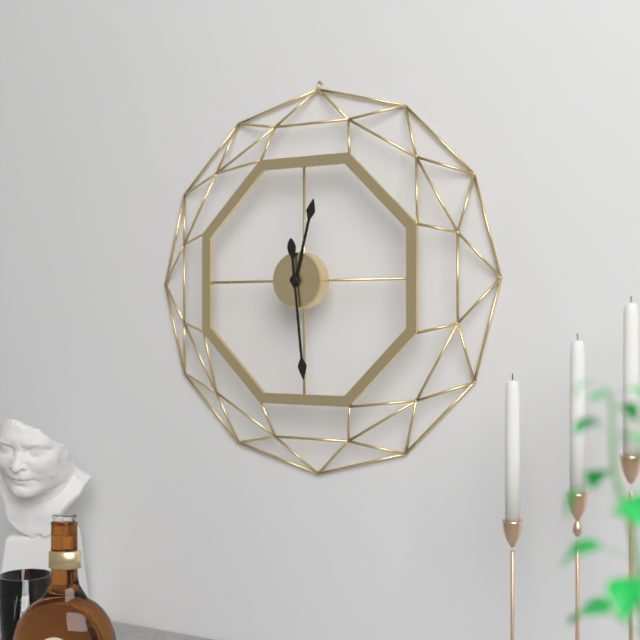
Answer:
h=12 m=29
